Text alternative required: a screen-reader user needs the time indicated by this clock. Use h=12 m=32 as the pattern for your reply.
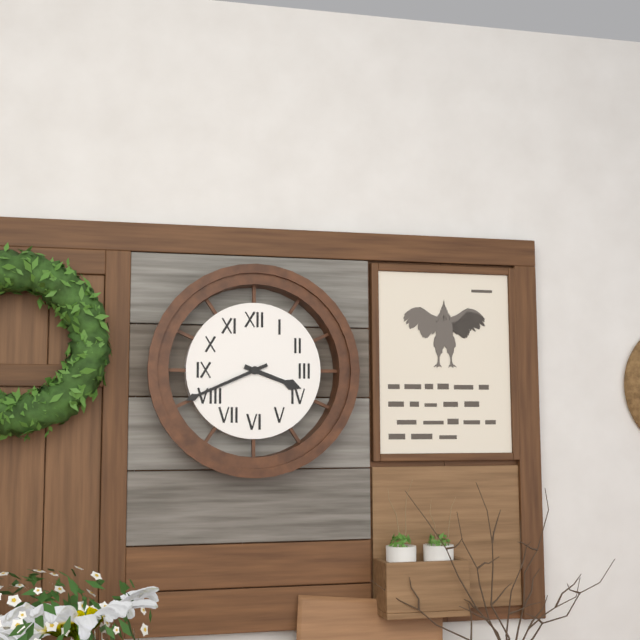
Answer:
h=3 m=41
